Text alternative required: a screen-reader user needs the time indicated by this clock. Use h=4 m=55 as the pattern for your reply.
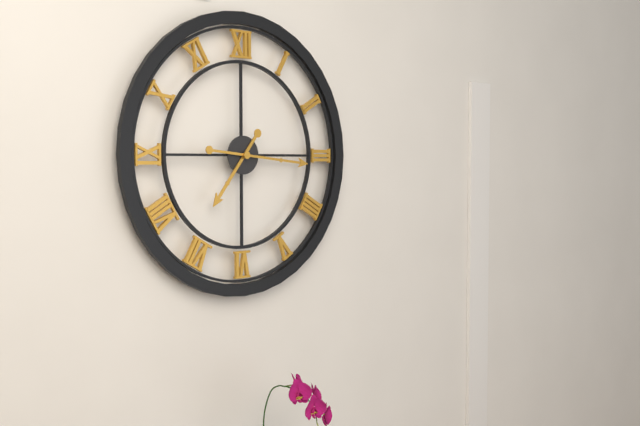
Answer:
h=7 m=16
